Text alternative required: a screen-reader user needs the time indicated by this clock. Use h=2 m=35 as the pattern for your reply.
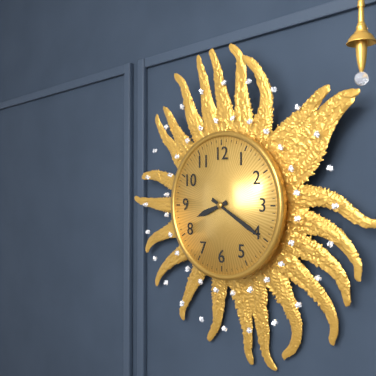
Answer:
h=8 m=20
